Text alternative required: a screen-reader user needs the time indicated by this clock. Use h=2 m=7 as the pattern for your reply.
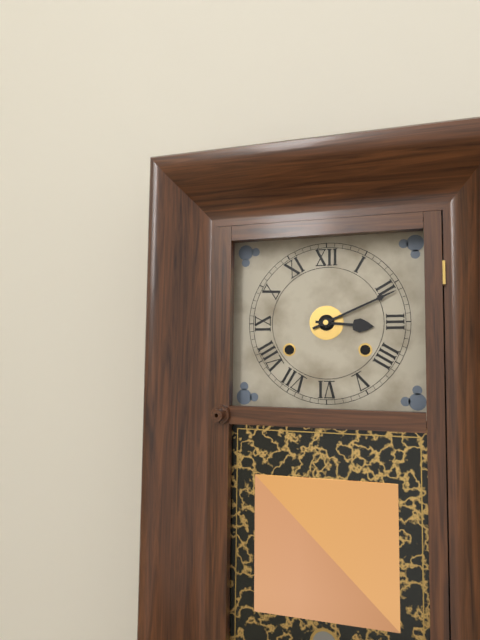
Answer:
h=3 m=11
